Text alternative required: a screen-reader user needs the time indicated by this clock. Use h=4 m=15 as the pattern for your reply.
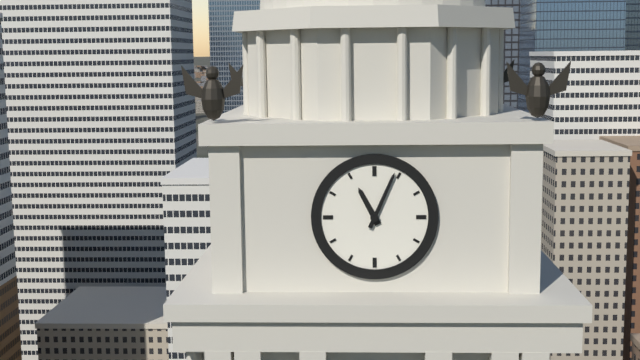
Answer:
h=11 m=4
